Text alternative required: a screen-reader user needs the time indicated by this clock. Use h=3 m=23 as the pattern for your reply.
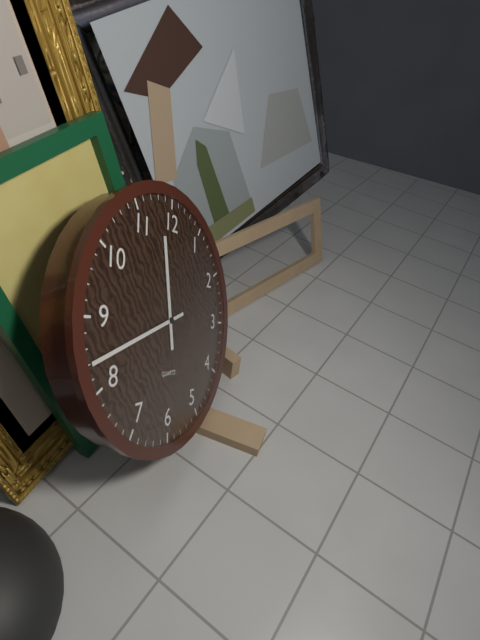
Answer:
h=11 m=42
